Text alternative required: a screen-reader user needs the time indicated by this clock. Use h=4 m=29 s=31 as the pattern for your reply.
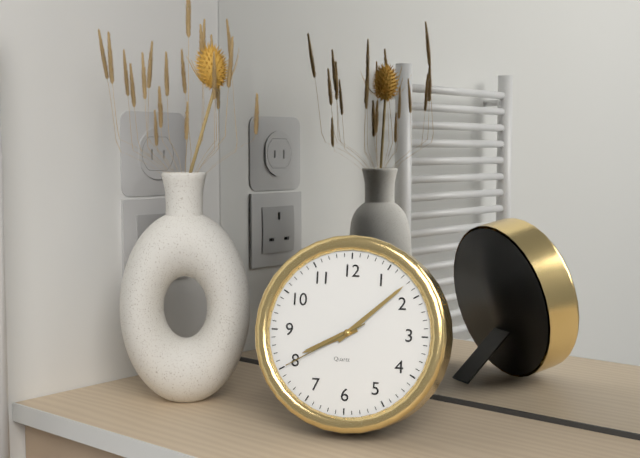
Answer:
h=8 m=8 s=40
